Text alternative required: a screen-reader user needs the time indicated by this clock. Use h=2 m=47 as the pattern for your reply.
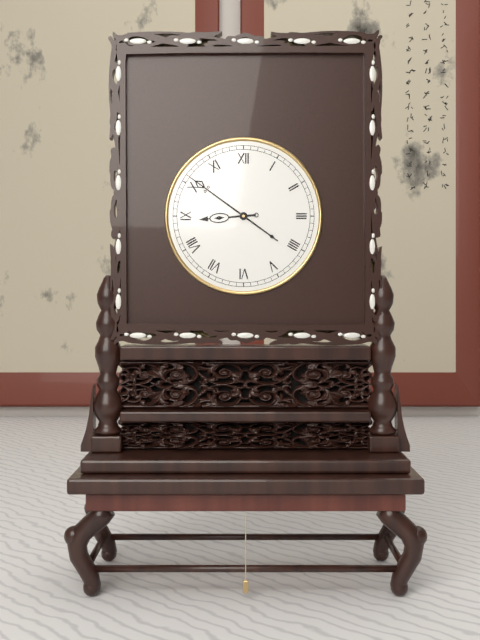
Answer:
h=8 m=51
